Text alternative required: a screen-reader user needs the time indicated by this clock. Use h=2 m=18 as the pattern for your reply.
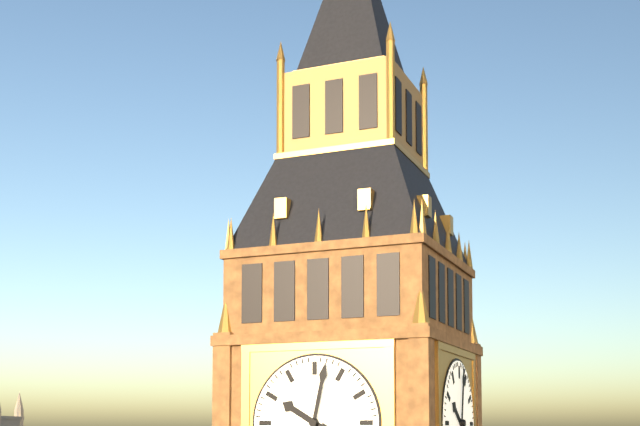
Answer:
h=10 m=2
